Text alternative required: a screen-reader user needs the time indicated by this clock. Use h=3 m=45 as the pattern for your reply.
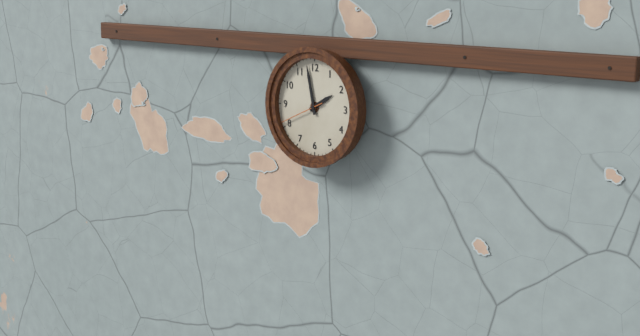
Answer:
h=1 m=58
